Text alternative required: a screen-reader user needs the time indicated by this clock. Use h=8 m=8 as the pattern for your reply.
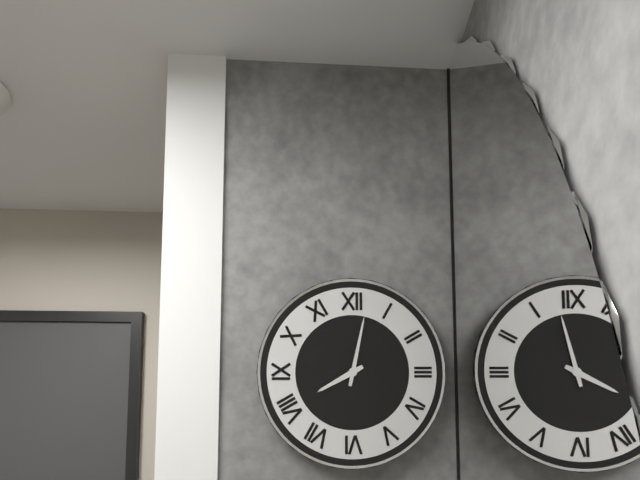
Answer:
h=8 m=2
